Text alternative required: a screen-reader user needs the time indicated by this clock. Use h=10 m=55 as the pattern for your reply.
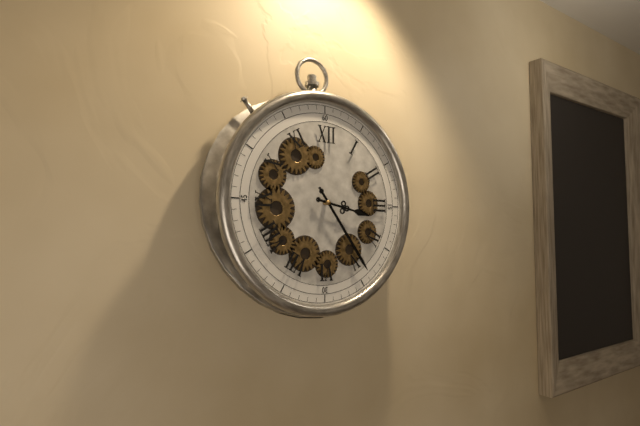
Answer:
h=3 m=24
